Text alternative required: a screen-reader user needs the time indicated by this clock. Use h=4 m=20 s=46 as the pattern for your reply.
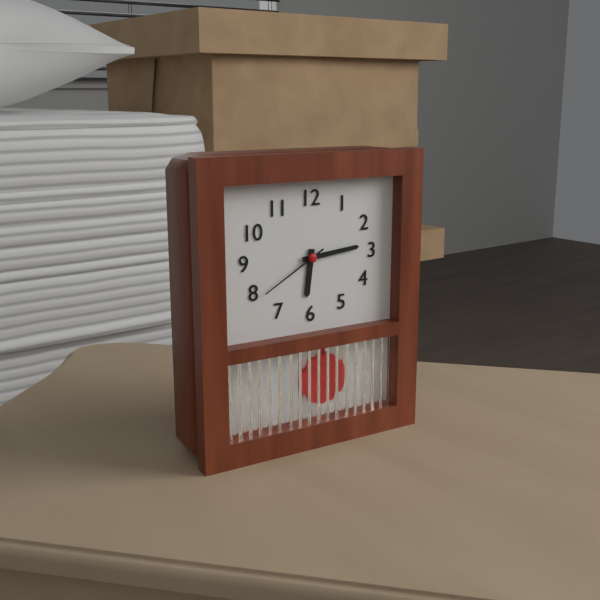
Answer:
h=6 m=14 s=40
